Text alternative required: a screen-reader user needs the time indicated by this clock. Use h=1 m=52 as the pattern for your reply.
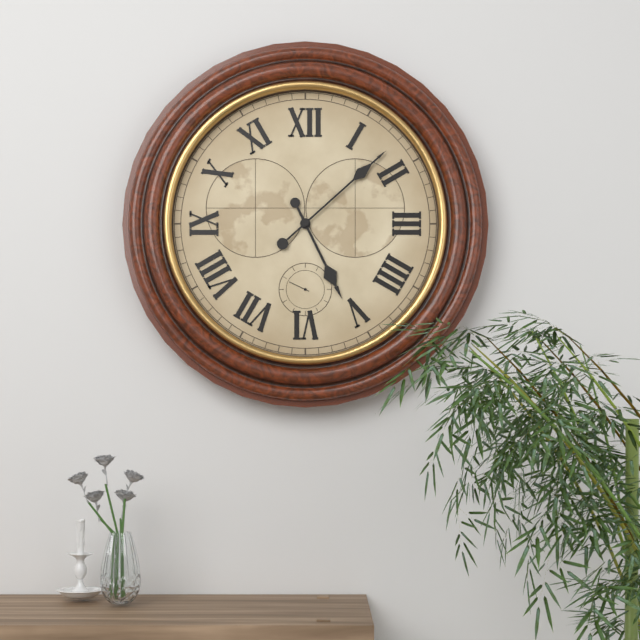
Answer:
h=5 m=8
